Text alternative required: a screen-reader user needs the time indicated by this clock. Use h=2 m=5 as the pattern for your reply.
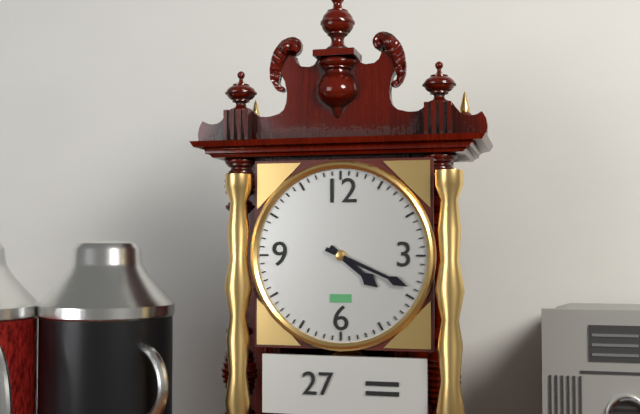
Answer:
h=4 m=19
